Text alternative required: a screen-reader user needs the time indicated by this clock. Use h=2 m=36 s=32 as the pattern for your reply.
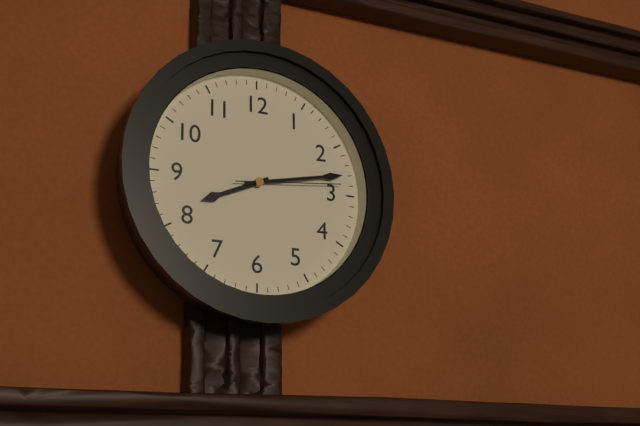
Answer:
h=8 m=13 s=14
